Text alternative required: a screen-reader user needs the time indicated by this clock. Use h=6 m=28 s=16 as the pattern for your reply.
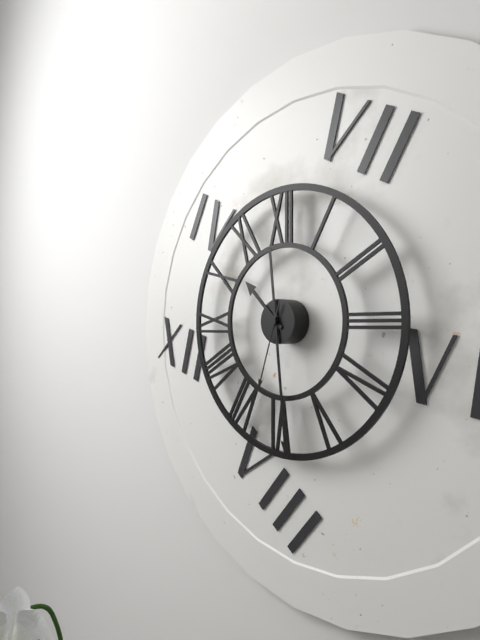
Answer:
h=10 m=29 s=33
